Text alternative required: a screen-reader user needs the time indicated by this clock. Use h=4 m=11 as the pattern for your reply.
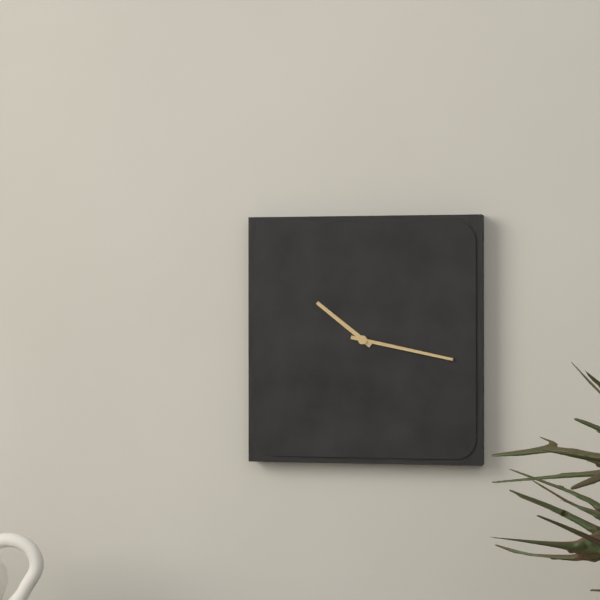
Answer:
h=10 m=17
